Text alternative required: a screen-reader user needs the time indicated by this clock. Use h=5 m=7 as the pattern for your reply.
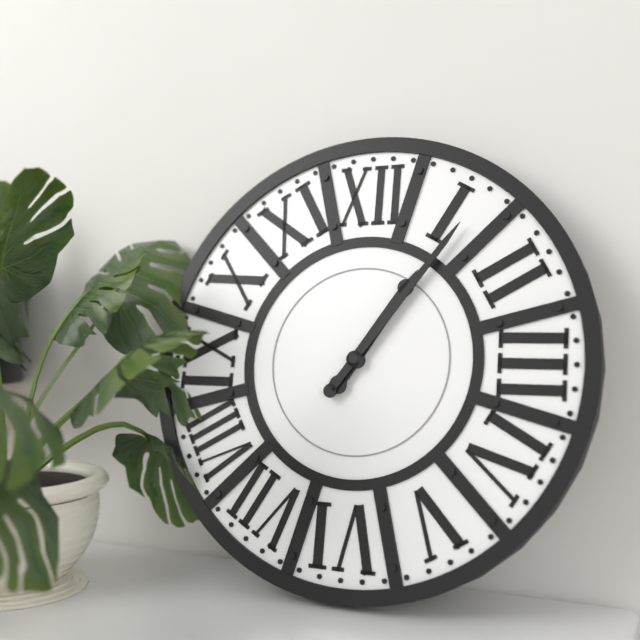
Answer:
h=1 m=6
